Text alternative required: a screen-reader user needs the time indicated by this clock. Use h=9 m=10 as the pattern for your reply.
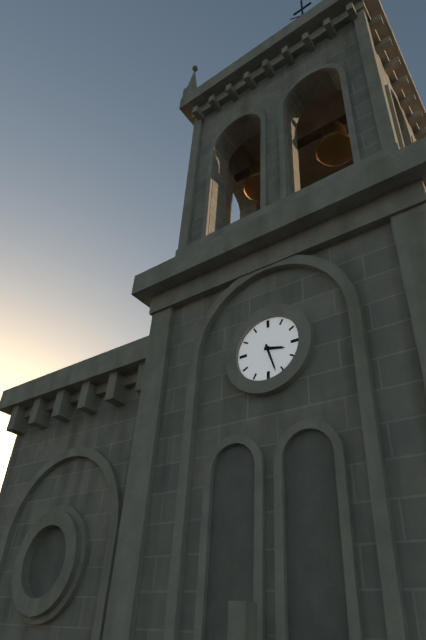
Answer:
h=3 m=27
